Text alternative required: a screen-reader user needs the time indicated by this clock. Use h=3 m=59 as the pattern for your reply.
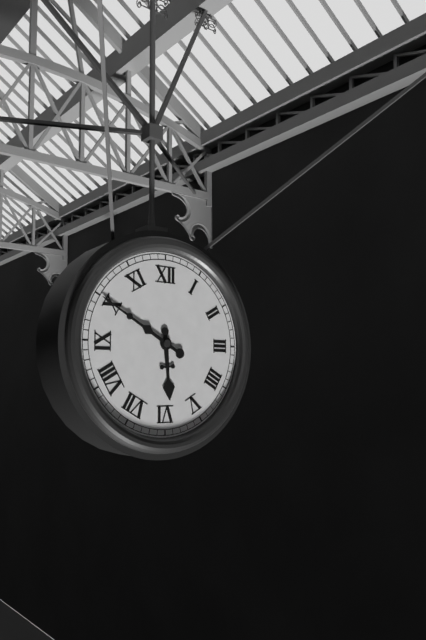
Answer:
h=5 m=50
